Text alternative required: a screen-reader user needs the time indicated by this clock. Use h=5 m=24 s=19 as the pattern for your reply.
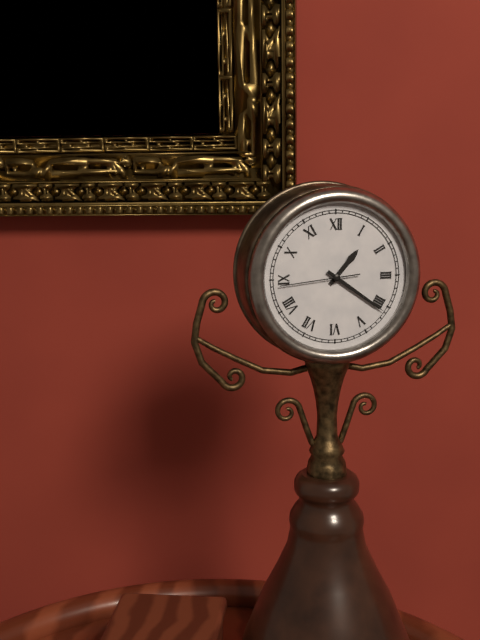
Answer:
h=1 m=21 s=44
